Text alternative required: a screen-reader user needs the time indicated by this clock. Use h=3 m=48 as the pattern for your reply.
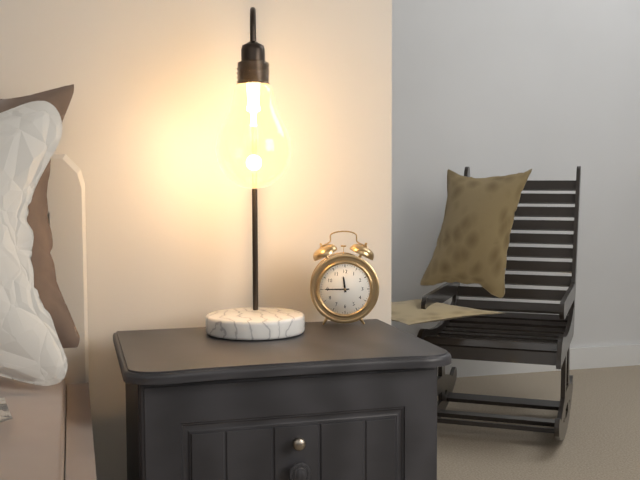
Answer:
h=11 m=45
